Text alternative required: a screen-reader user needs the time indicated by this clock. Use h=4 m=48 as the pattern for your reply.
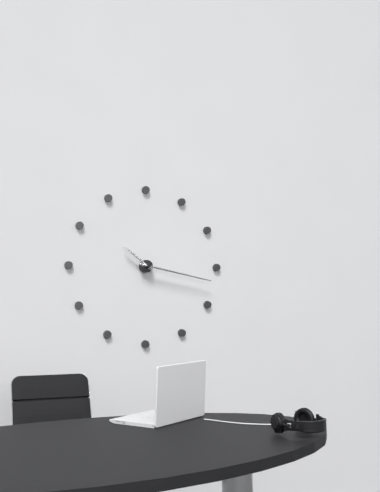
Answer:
h=10 m=17
